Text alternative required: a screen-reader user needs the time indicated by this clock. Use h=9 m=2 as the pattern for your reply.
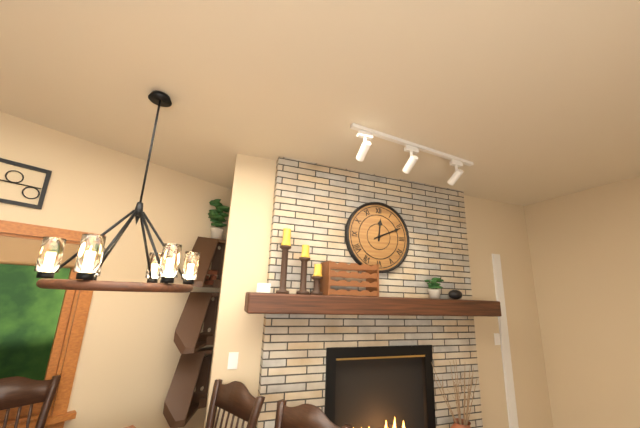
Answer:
h=12 m=11
